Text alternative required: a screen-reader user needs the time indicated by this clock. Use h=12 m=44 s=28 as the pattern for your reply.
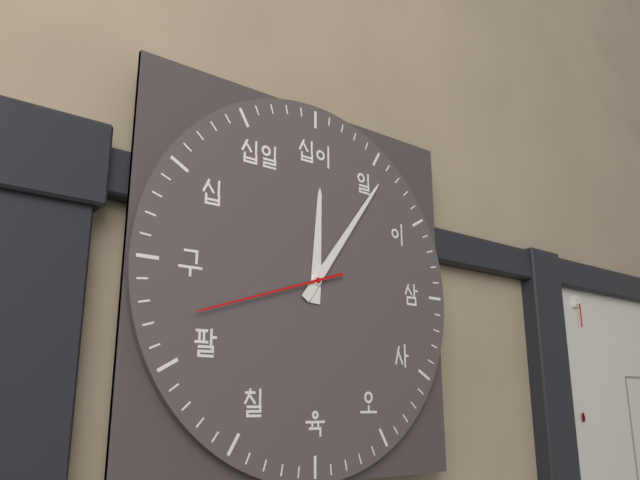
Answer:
h=12 m=6 s=42
